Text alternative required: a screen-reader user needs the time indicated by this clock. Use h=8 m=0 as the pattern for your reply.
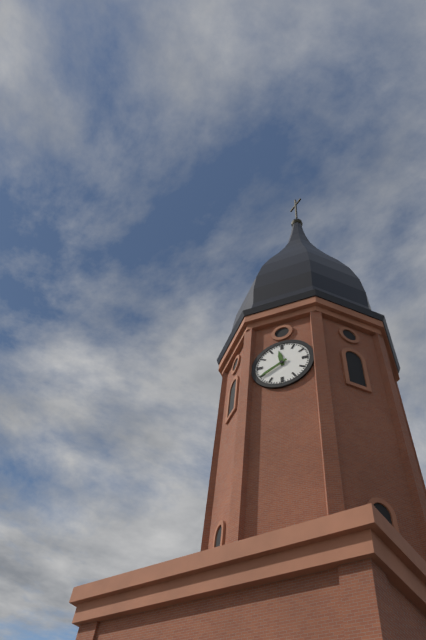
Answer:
h=11 m=40
